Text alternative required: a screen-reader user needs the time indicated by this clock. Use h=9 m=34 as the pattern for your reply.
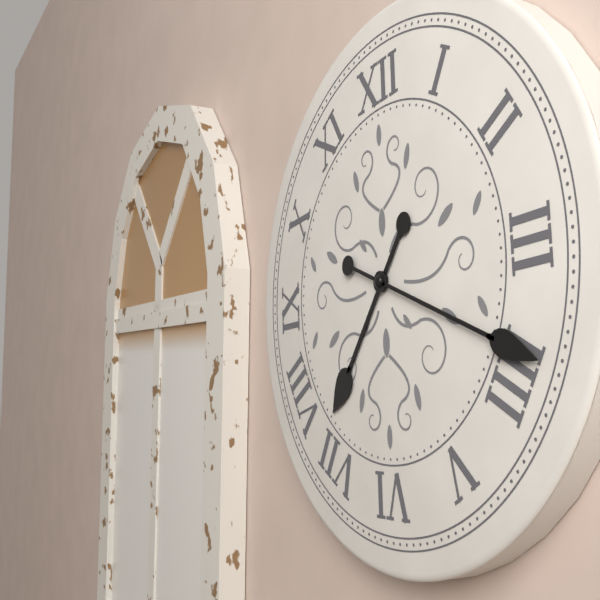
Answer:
h=7 m=19
